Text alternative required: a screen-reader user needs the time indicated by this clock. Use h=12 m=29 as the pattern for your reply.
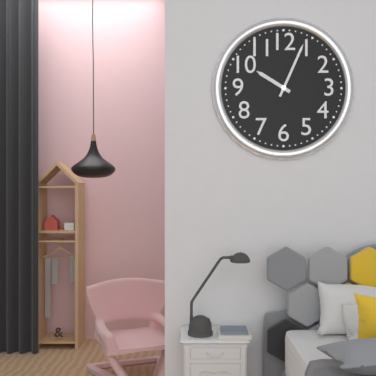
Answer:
h=10 m=4
